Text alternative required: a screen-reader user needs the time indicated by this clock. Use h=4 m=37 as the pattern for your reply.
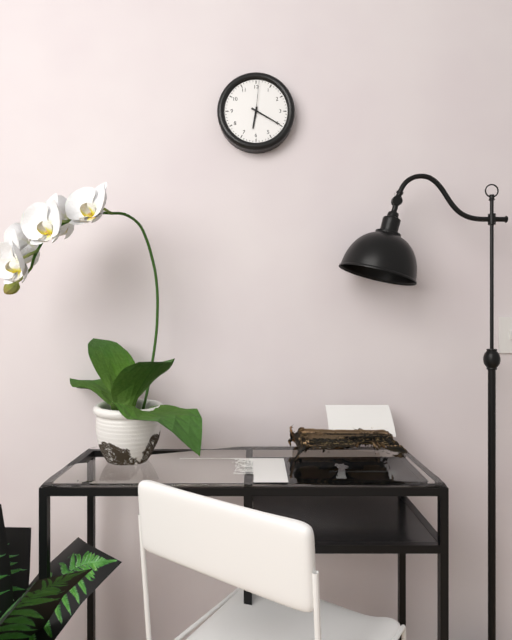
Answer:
h=6 m=20
